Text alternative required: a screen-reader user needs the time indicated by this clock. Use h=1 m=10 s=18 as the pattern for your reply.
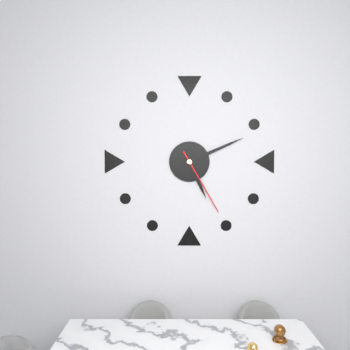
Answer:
h=5 m=11 s=25
